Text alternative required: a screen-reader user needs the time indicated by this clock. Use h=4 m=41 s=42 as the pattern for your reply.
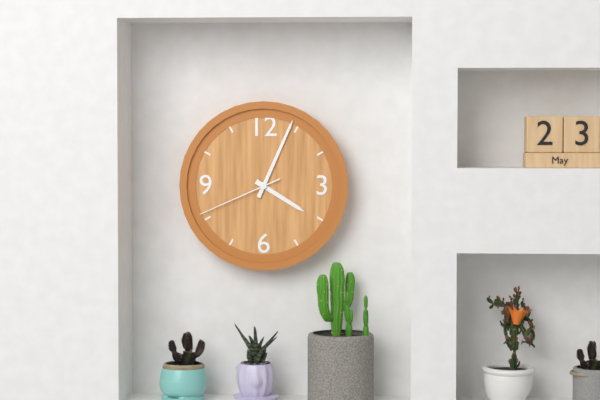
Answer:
h=4 m=4 s=41
